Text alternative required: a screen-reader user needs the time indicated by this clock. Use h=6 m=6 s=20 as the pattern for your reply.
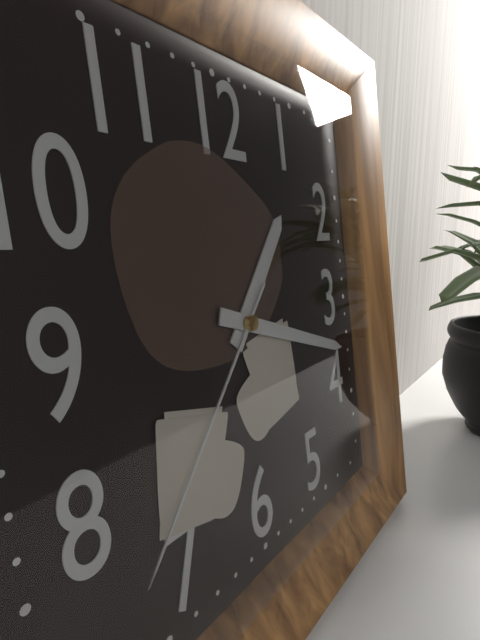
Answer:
h=1 m=18 s=37
